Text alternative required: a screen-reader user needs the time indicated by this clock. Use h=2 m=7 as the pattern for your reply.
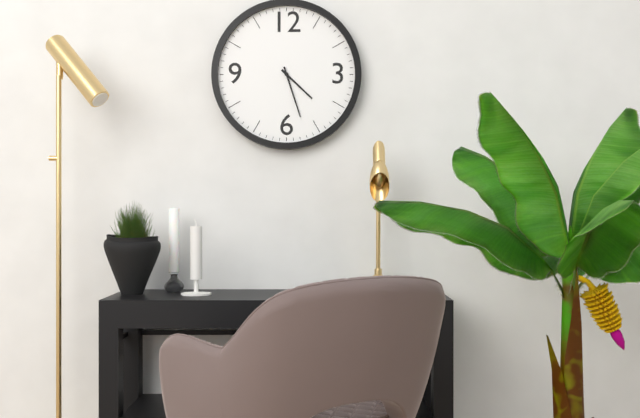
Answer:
h=4 m=27
